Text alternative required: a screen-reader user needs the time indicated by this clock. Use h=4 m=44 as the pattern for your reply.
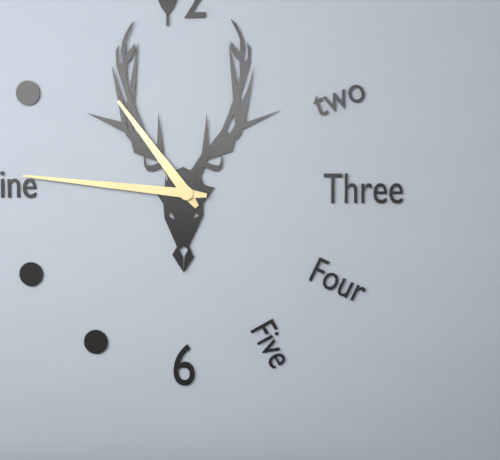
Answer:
h=10 m=46
